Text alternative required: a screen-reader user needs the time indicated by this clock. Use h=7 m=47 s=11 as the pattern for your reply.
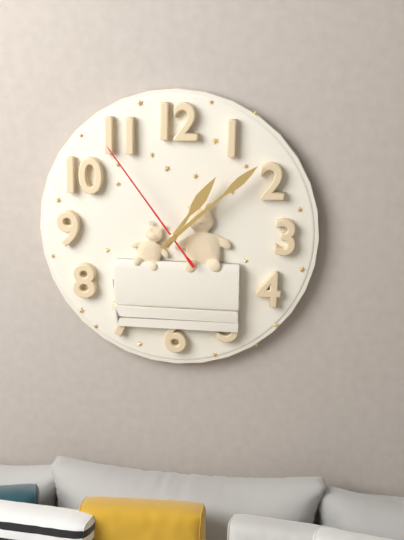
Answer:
h=1 m=8 s=54
